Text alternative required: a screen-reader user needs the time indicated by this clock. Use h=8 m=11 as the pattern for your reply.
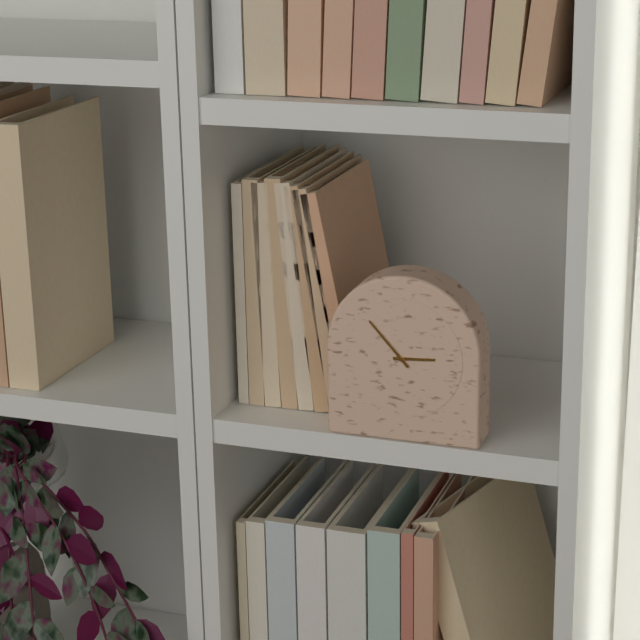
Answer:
h=2 m=53
